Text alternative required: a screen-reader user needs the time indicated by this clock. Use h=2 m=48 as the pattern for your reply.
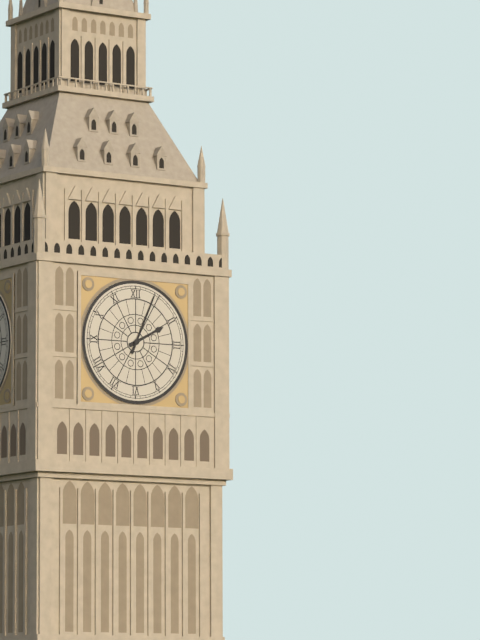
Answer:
h=2 m=4
